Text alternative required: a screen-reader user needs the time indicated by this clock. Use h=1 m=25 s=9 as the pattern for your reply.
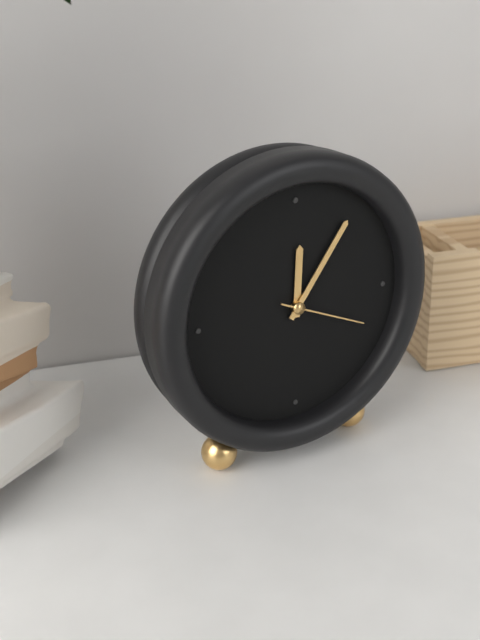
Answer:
h=12 m=6 s=19
